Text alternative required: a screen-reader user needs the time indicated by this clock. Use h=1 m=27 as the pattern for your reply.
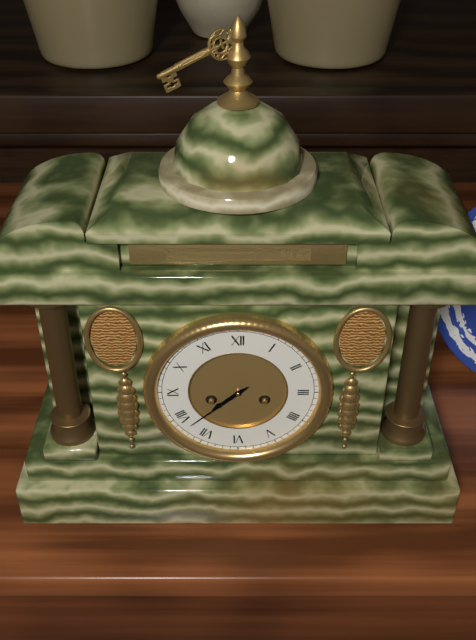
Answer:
h=7 m=38
